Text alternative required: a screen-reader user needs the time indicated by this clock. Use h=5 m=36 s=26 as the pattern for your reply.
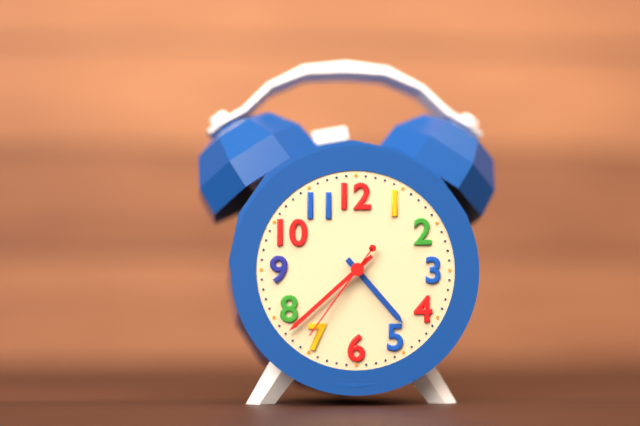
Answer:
h=4 m=38 s=36
